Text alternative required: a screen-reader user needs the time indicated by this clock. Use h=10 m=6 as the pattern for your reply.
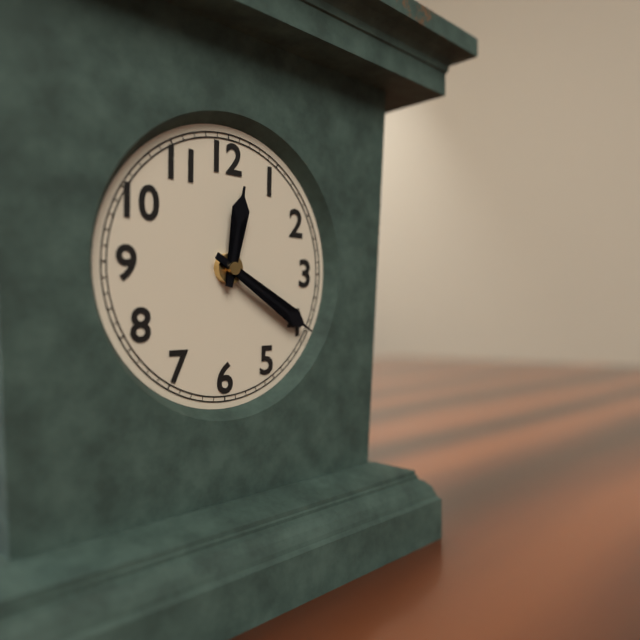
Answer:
h=12 m=20
